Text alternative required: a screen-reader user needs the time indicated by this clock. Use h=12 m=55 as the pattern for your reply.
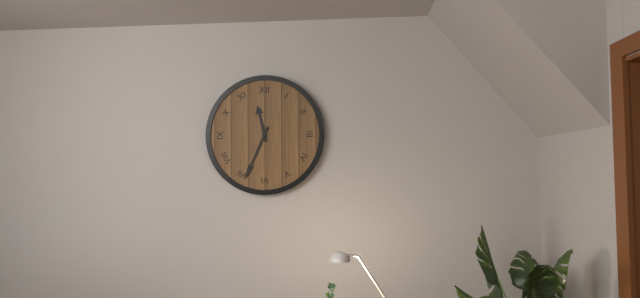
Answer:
h=11 m=34
